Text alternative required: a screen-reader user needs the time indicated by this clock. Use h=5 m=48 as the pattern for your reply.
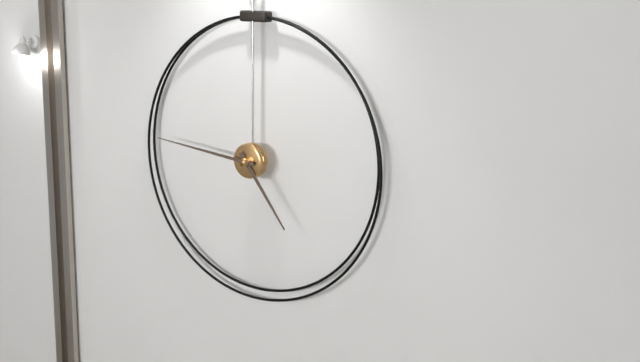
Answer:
h=4 m=46
